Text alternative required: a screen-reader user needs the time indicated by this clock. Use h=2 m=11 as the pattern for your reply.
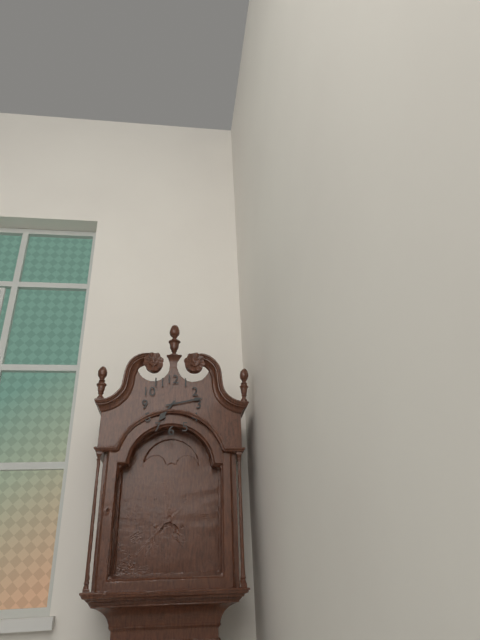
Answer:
h=7 m=13
